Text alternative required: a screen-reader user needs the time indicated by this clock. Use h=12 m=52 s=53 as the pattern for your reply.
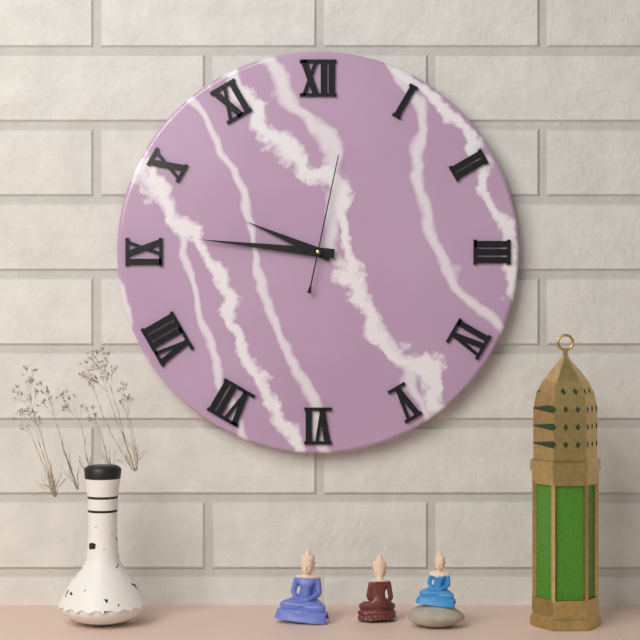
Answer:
h=9 m=46 s=2
